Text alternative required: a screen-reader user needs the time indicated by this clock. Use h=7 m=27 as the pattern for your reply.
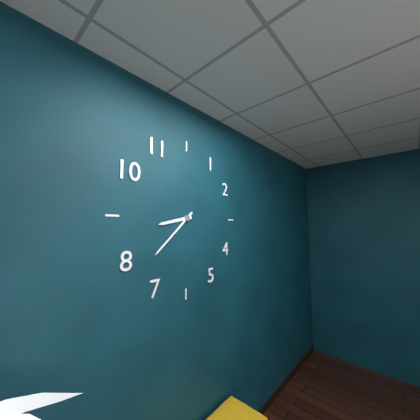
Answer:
h=8 m=38
